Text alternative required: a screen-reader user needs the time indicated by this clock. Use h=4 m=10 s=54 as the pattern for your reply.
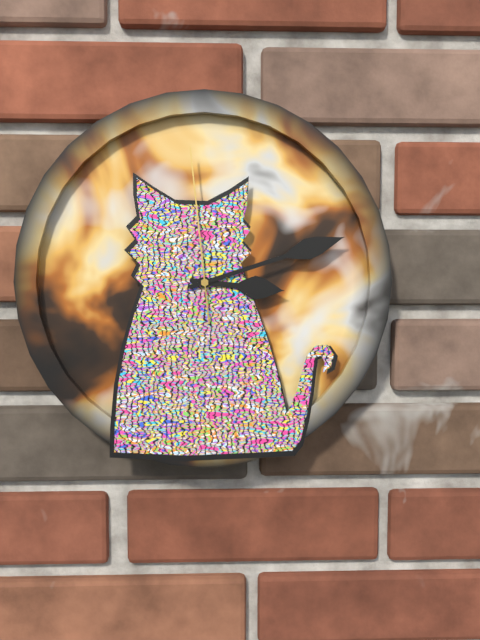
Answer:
h=3 m=12 s=59
